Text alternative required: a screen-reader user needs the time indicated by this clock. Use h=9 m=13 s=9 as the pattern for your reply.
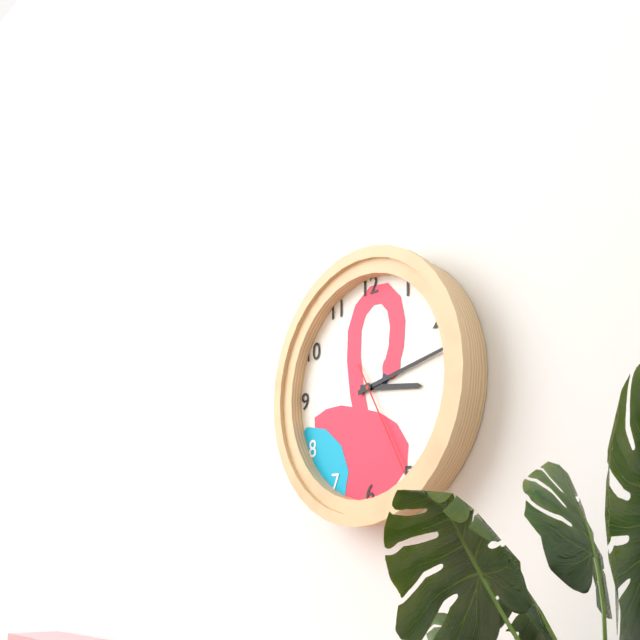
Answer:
h=3 m=13 s=25
